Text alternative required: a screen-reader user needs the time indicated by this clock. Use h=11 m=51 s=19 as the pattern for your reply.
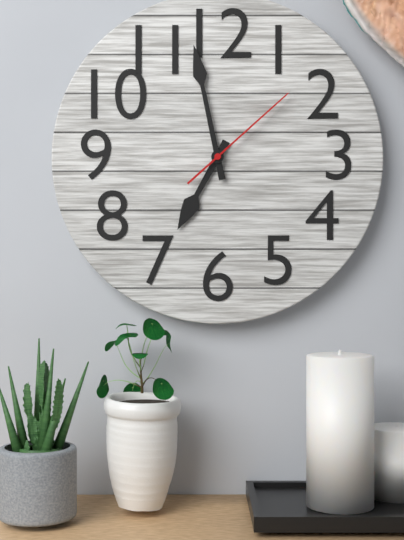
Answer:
h=6 m=58 s=8
